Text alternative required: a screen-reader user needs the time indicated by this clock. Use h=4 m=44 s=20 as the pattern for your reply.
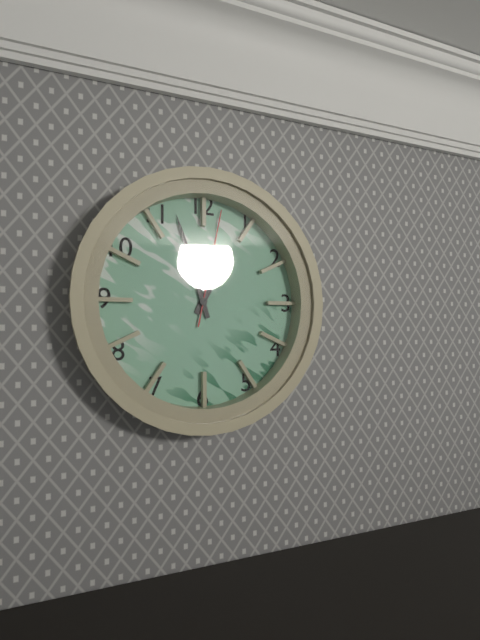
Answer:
h=12 m=57 s=2
